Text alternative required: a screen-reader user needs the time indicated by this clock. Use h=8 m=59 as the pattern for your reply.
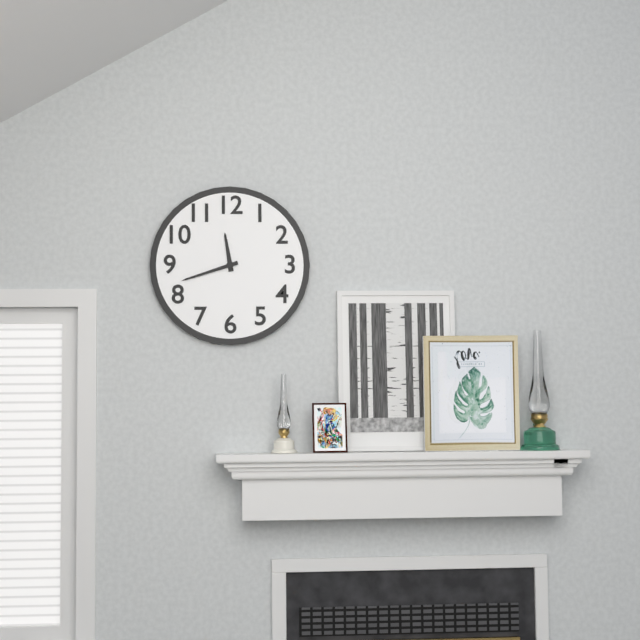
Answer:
h=11 m=42
